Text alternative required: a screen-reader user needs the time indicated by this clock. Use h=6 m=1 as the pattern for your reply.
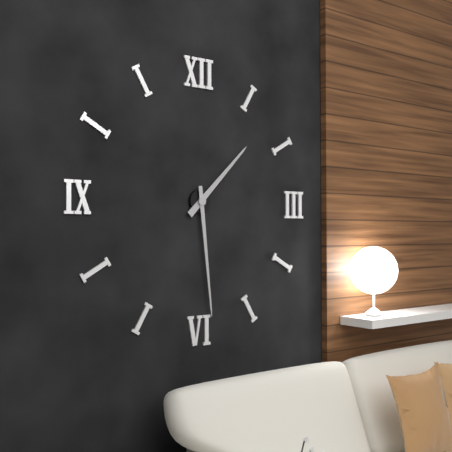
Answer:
h=1 m=29
